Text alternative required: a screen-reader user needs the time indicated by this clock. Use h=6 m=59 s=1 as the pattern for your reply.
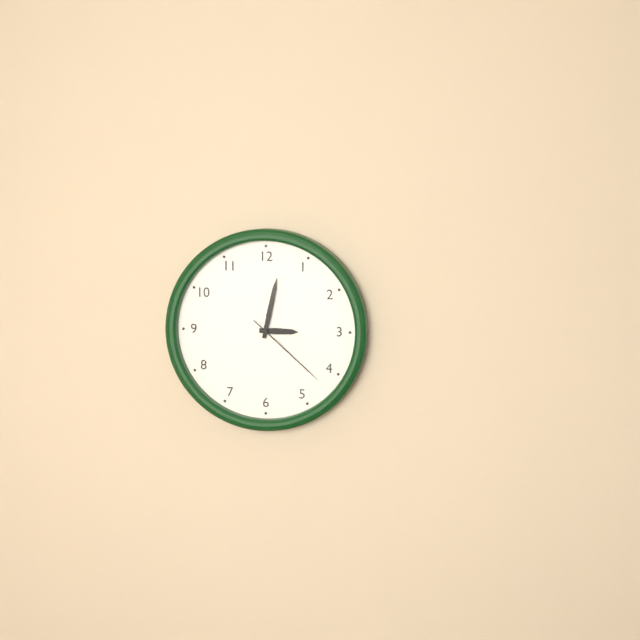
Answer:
h=3 m=2 s=22
